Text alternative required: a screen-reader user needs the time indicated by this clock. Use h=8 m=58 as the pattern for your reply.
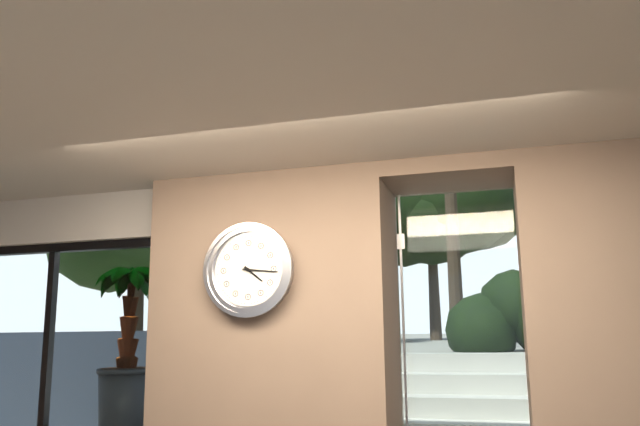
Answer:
h=4 m=16
